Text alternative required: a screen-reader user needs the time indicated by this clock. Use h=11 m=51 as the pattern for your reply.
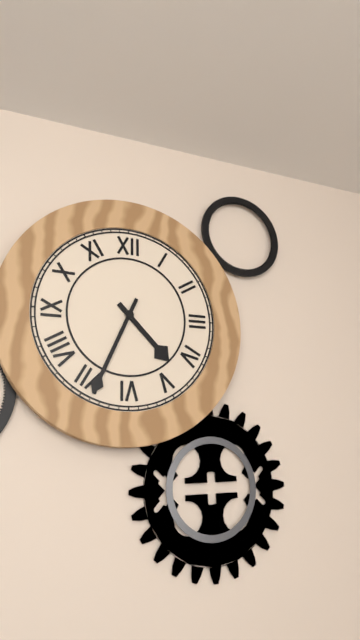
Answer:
h=4 m=34
